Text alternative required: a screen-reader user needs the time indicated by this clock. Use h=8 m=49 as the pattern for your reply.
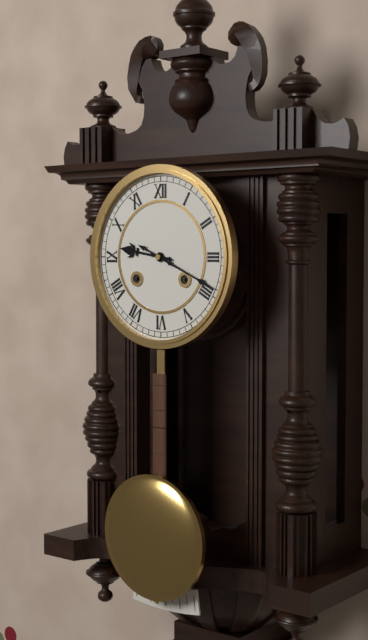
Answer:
h=9 m=19
